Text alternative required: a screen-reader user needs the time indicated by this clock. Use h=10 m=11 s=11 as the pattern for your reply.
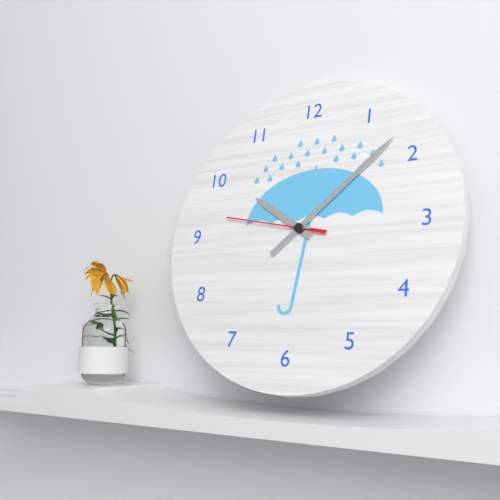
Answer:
h=10 m=8 s=47
